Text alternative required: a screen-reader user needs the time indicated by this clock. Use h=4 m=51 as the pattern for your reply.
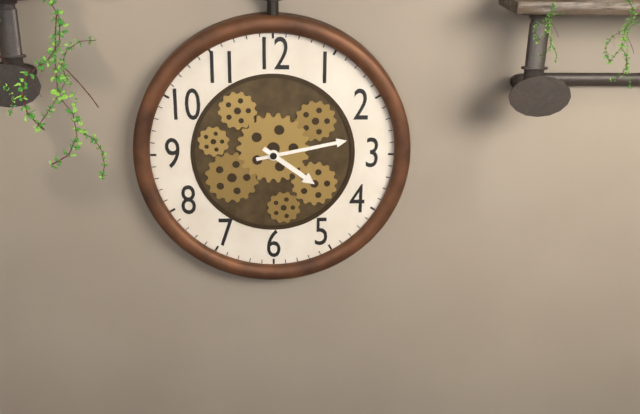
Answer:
h=4 m=13
